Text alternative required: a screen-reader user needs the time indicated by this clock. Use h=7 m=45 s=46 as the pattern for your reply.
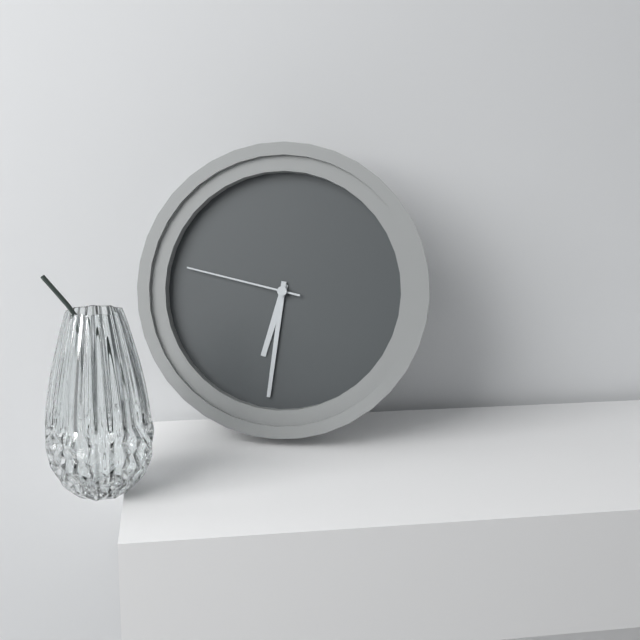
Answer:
h=6 m=31 s=47
